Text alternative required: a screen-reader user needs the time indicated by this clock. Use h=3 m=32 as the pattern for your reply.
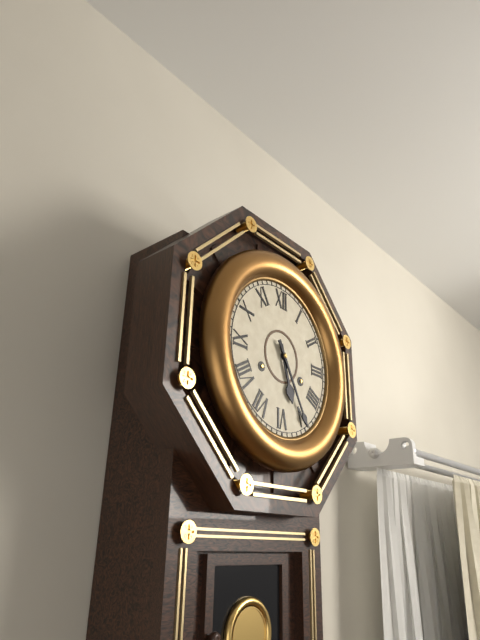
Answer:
h=5 m=25
